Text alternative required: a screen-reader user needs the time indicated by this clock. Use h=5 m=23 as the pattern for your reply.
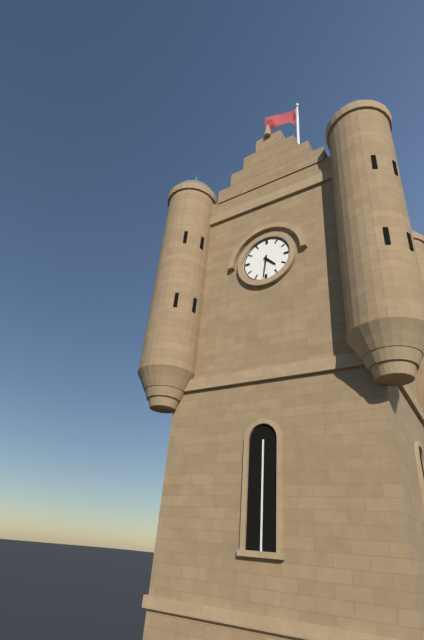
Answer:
h=4 m=31
